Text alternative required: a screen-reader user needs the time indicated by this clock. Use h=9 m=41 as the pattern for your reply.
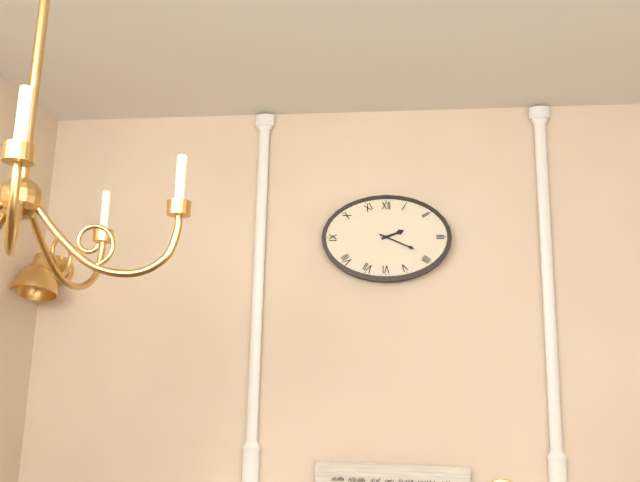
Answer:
h=2 m=19
